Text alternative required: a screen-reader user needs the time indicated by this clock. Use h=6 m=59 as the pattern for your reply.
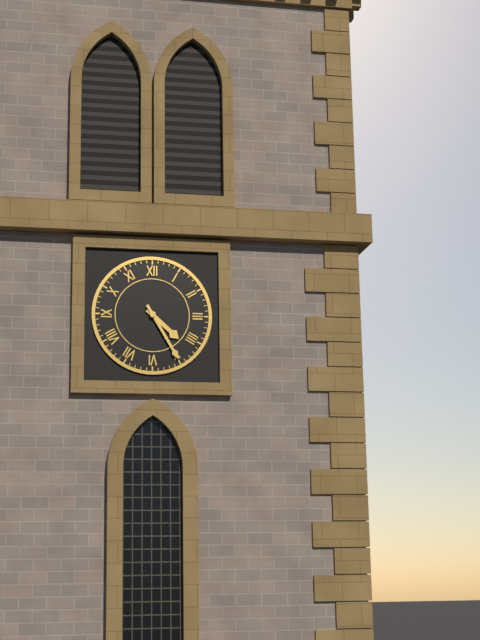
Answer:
h=4 m=25
